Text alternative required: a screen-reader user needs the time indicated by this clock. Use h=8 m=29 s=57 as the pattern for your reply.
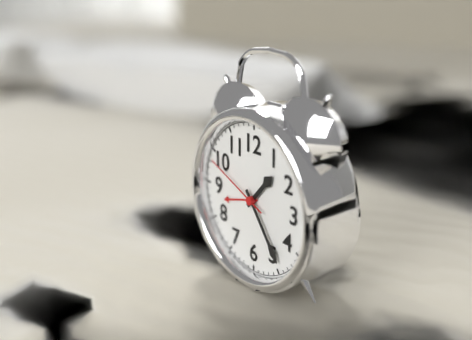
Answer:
h=1 m=24 s=49
